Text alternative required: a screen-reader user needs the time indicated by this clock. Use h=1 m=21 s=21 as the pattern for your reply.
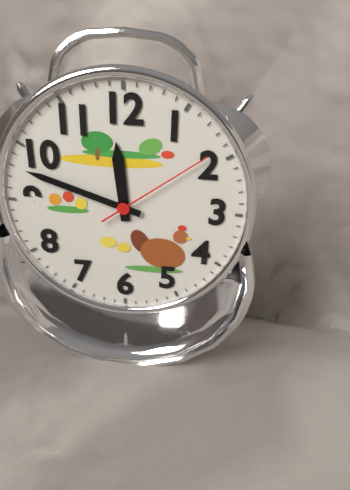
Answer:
h=11 m=48 s=9
